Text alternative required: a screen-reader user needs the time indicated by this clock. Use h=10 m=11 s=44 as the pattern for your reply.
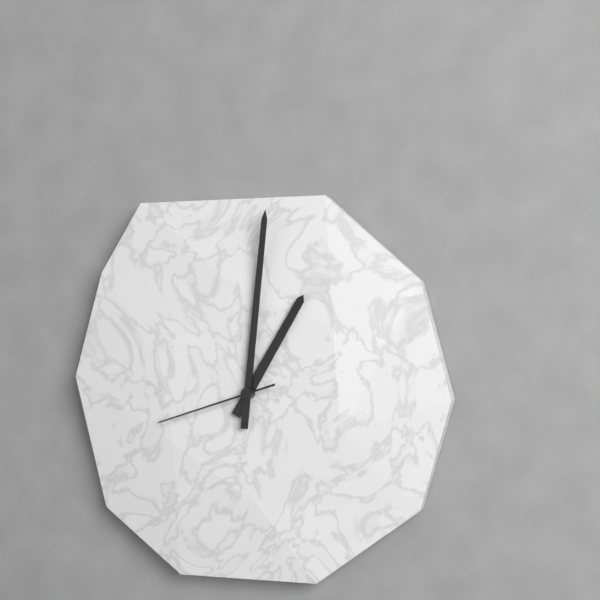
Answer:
h=1 m=1 s=42
